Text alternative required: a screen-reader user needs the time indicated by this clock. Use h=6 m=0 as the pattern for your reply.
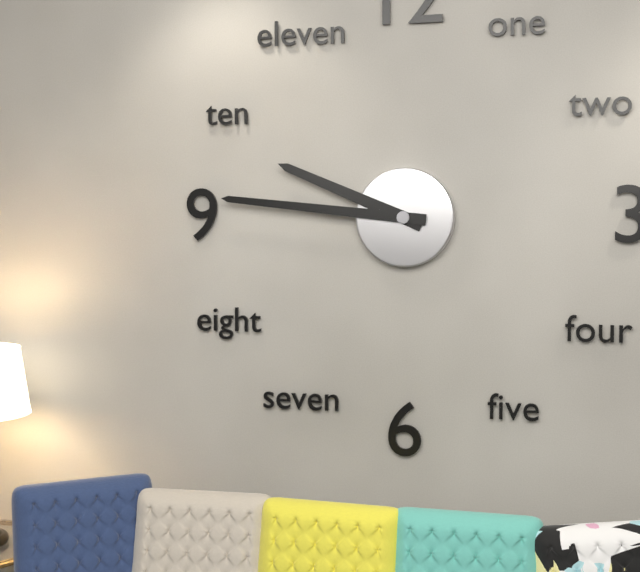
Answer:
h=9 m=46
